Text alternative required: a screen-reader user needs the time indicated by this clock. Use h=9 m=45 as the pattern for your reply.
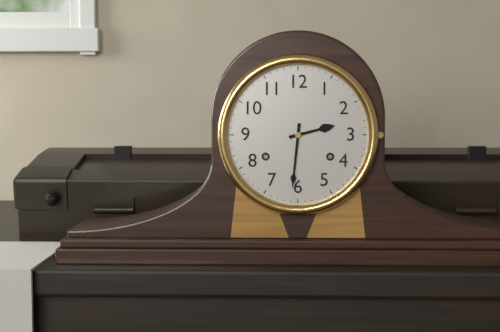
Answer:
h=2 m=31
